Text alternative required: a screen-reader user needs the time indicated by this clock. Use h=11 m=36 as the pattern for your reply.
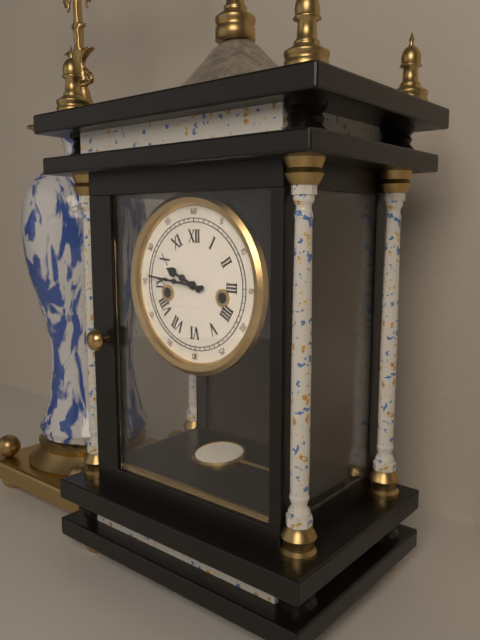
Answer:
h=9 m=46
